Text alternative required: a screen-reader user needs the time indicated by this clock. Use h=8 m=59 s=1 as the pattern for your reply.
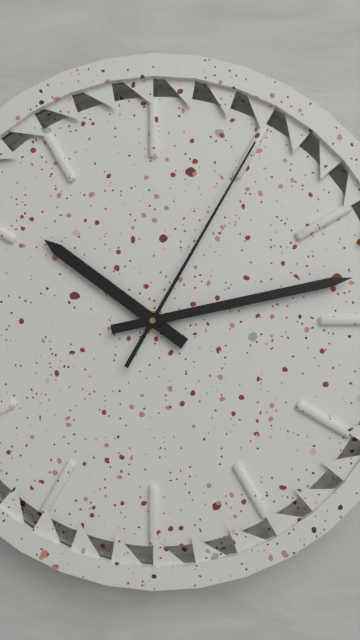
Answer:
h=10 m=13 s=5
